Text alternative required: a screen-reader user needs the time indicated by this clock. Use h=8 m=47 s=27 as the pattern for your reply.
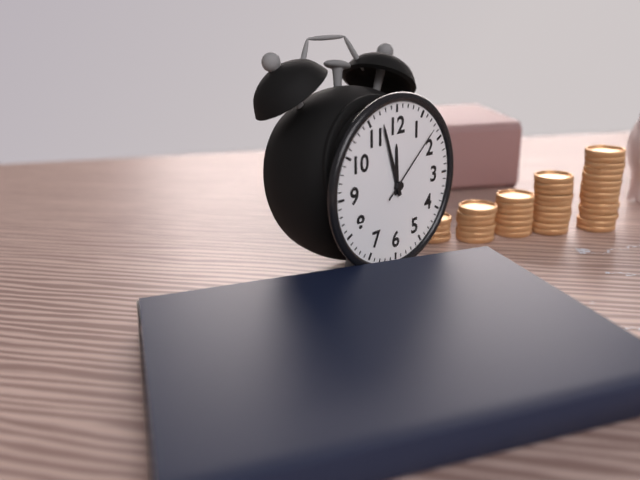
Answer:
h=11 m=57 s=8
